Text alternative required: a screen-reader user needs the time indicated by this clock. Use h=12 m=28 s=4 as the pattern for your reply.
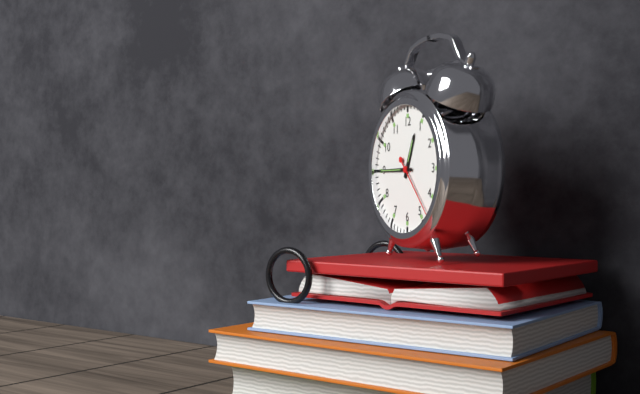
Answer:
h=12 m=45 s=23
